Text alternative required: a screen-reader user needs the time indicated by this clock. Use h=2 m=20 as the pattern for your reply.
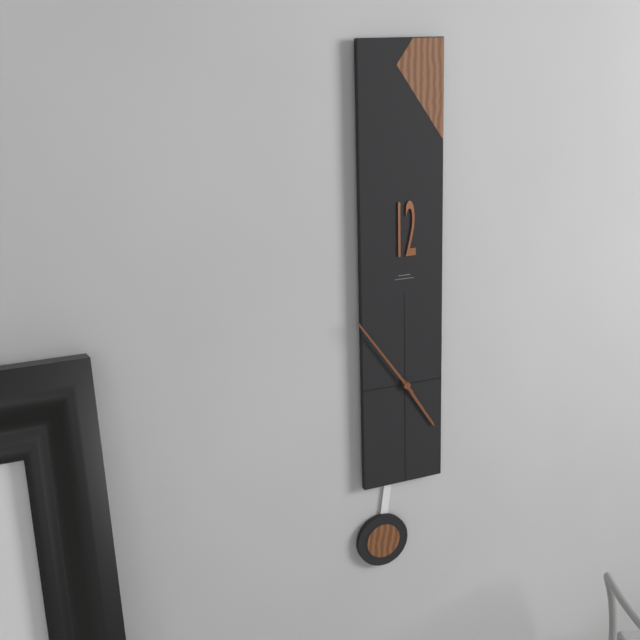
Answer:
h=4 m=54
